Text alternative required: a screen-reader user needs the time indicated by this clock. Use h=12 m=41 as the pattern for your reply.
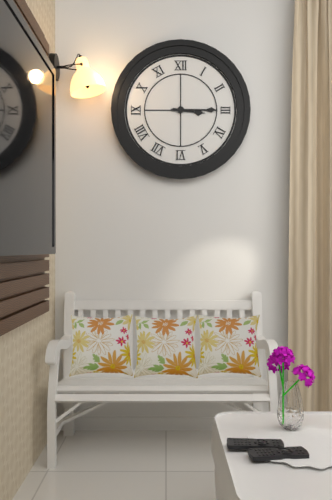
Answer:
h=3 m=15
